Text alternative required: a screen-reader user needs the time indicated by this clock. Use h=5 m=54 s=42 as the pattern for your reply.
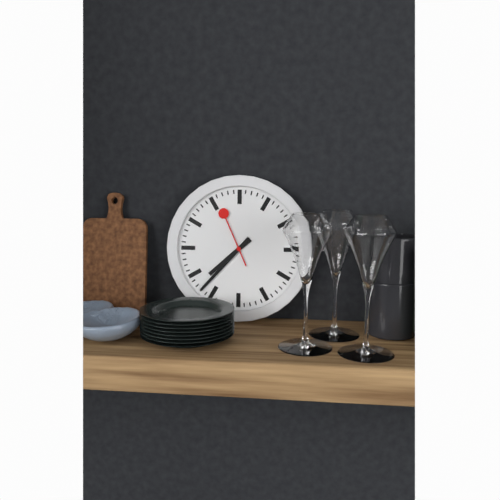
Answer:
h=7 m=37 s=56
